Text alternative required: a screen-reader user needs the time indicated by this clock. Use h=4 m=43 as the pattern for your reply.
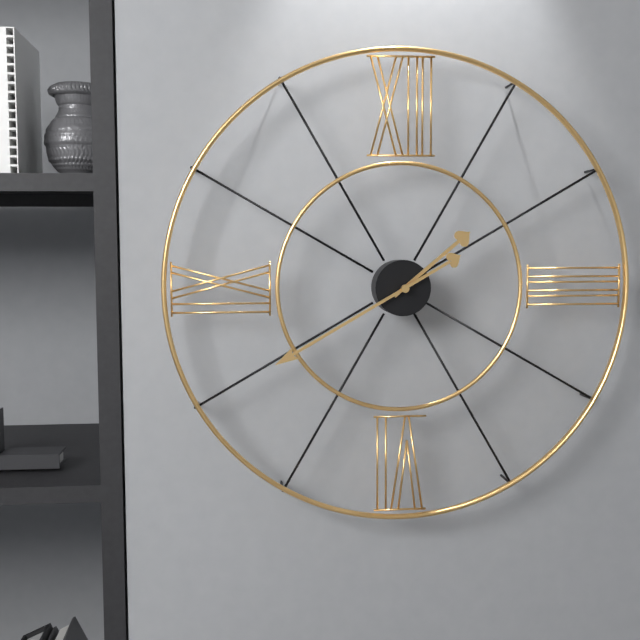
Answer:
h=1 m=40
